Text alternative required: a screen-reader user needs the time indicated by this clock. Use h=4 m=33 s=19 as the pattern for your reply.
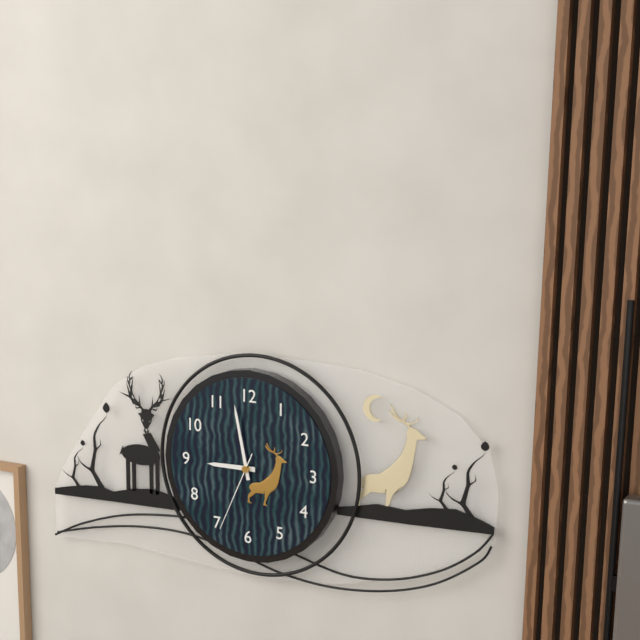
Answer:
h=8 m=58 s=34
